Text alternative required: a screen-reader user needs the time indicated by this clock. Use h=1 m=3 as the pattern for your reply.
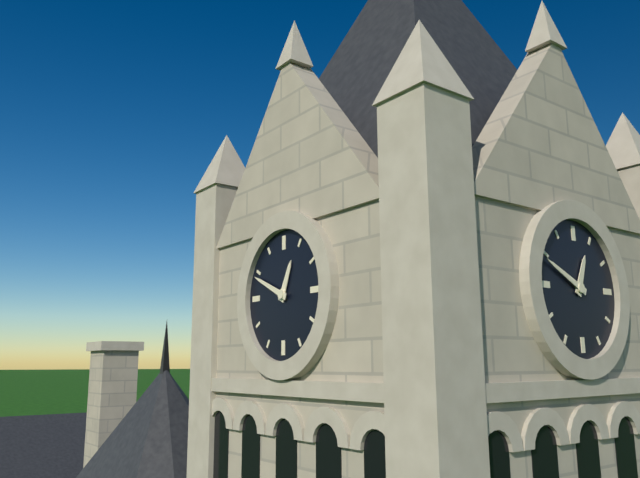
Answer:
h=12 m=49
